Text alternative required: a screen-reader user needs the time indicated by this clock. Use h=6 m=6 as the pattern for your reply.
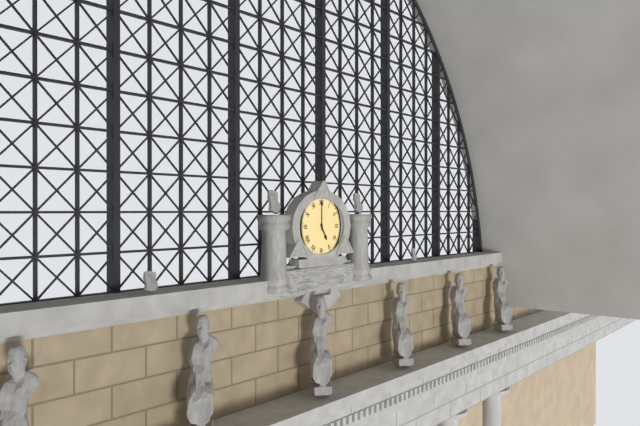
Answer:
h=5 m=0
